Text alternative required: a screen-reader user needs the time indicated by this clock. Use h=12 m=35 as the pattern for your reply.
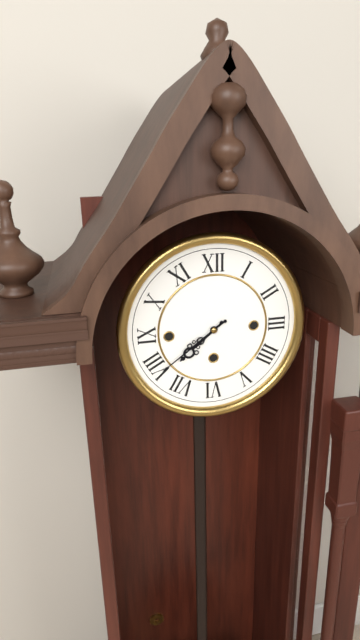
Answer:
h=7 m=39
